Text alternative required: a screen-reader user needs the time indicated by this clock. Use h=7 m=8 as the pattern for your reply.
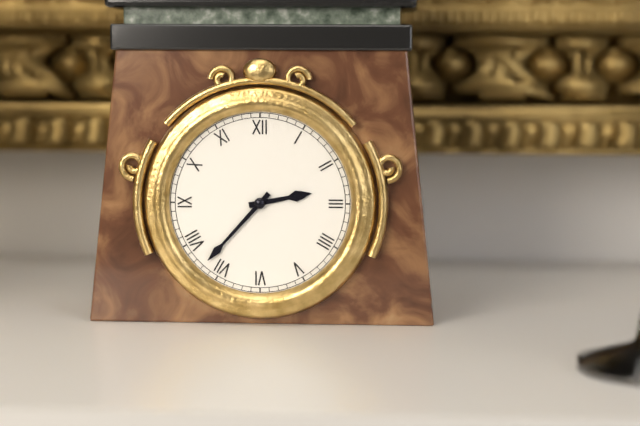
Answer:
h=2 m=37
